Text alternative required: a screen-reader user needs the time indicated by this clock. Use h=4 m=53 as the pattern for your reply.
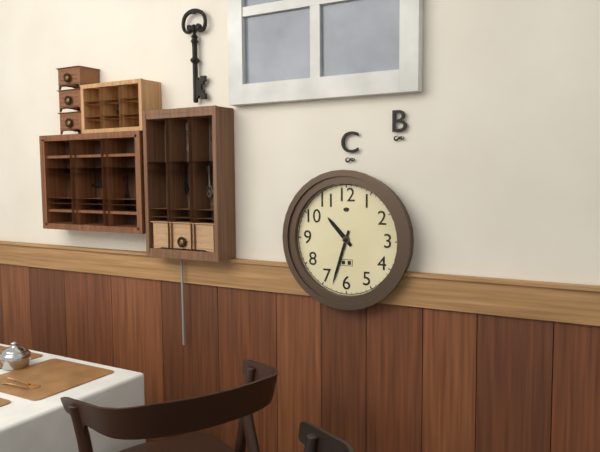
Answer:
h=10 m=33
